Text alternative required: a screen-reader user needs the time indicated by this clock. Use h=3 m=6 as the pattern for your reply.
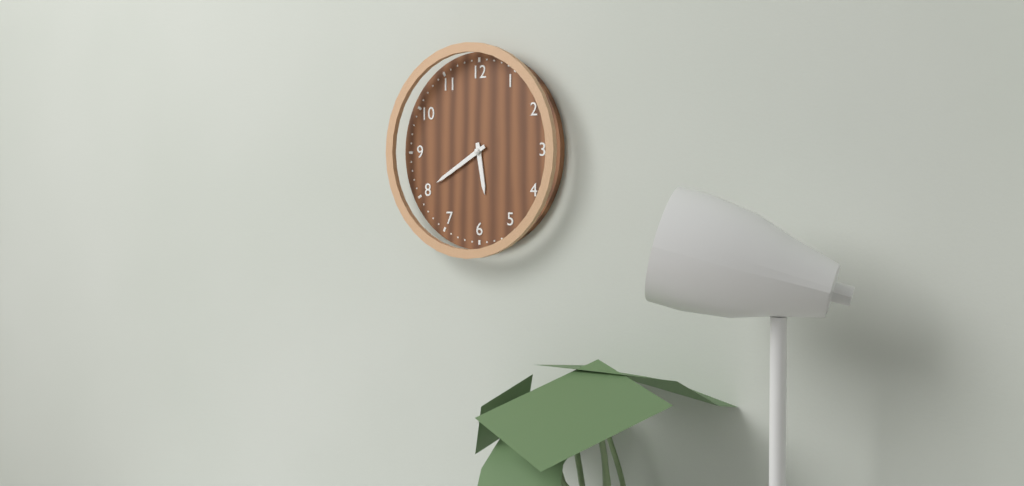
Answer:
h=5 m=40
